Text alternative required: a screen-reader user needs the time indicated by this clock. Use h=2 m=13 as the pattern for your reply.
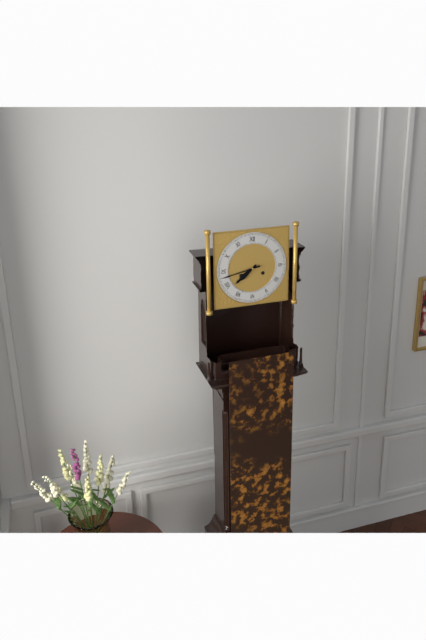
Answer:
h=7 m=43
